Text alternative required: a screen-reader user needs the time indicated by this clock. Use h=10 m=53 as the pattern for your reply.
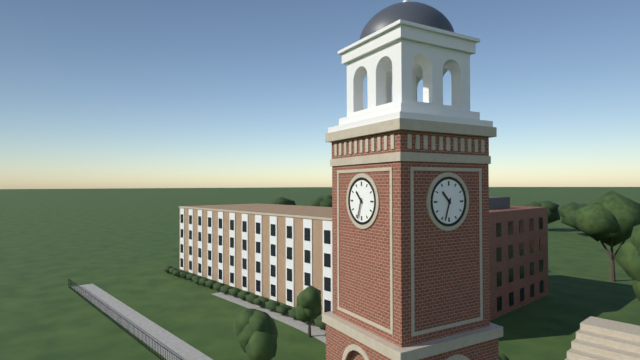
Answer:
h=10 m=33
